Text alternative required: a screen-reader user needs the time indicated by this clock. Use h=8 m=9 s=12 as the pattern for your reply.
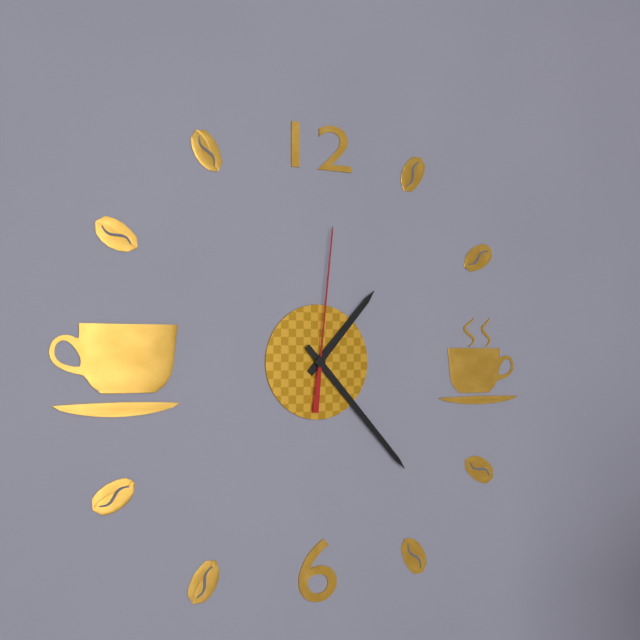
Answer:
h=1 m=23 s=1
